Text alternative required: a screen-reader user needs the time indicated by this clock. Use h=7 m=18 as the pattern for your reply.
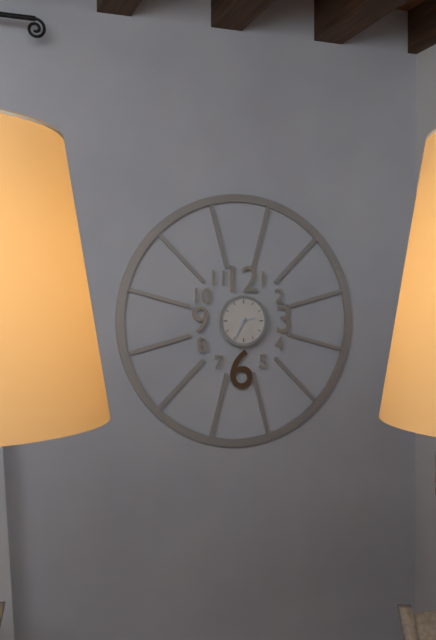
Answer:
h=2 m=35
